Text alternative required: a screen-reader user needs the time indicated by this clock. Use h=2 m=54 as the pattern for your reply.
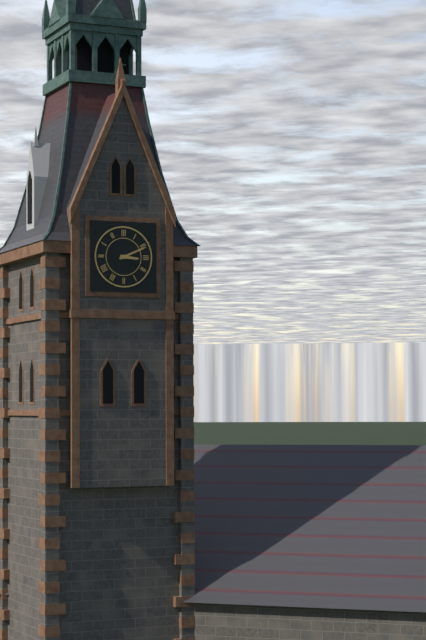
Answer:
h=3 m=11
